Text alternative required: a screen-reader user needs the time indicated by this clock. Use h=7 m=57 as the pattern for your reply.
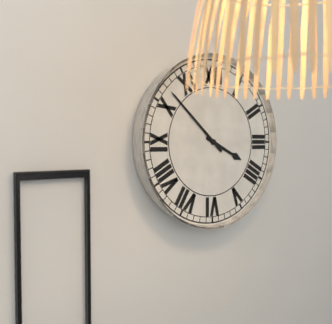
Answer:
h=3 m=52
